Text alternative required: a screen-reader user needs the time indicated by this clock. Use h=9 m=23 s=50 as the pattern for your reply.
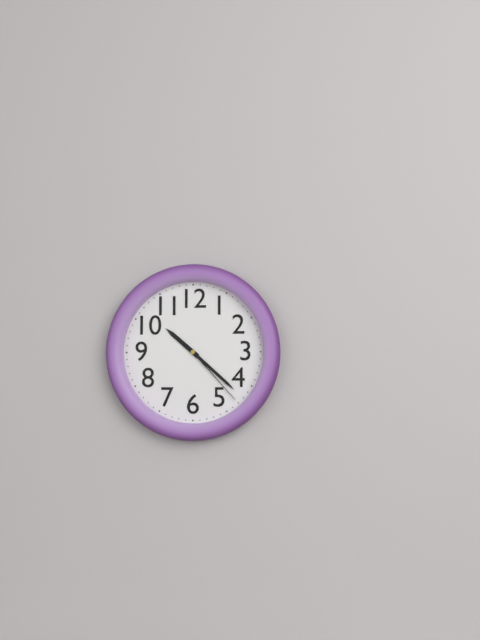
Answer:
h=10 m=22 s=23
